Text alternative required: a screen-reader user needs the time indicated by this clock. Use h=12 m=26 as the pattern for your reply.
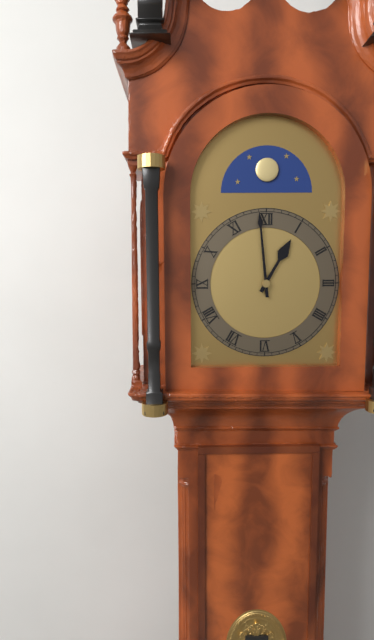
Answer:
h=12 m=59
